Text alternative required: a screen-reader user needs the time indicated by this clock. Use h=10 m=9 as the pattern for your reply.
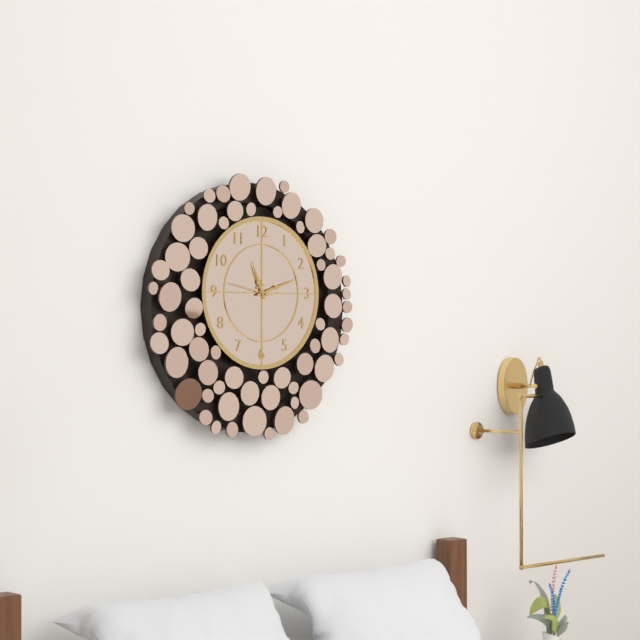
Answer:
h=11 m=12
